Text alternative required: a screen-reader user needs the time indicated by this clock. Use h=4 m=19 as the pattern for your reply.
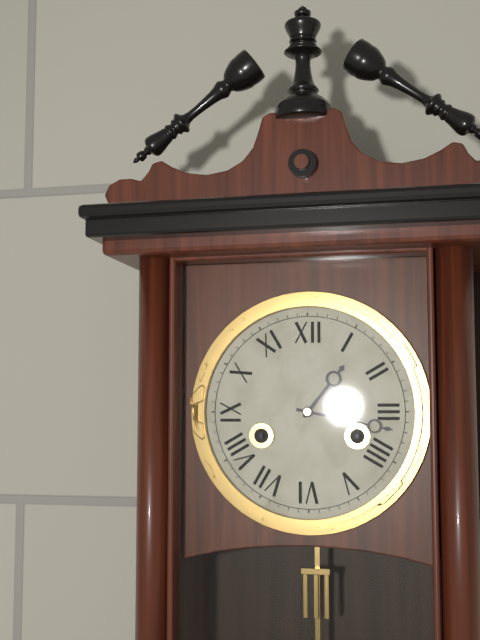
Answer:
h=1 m=17
